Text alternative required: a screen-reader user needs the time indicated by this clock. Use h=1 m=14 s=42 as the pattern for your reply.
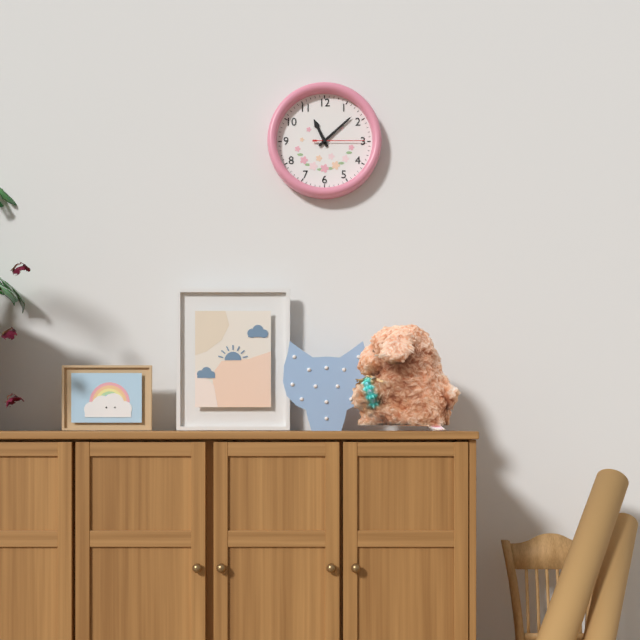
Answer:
h=11 m=8 s=15
